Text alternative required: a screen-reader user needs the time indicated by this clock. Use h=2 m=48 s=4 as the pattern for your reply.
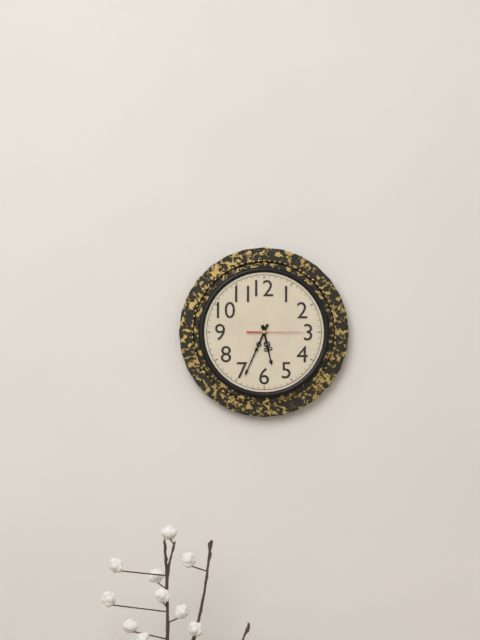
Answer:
h=5 m=34 s=15
